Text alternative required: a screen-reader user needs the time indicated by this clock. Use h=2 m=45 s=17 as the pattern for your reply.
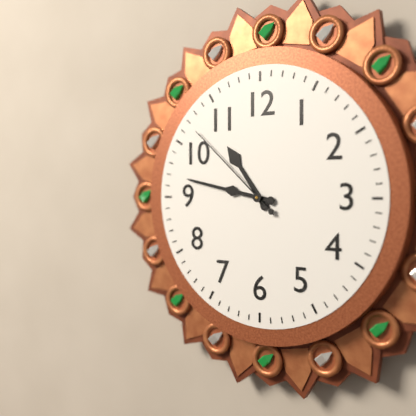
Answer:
h=10 m=47 s=52
